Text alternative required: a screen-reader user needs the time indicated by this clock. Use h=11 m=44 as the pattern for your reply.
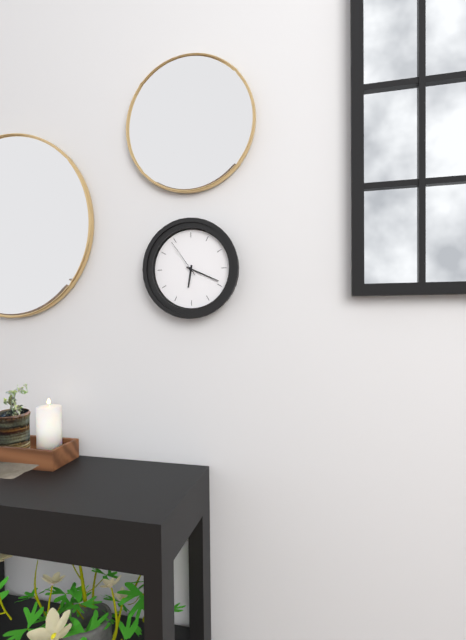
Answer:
h=6 m=19
